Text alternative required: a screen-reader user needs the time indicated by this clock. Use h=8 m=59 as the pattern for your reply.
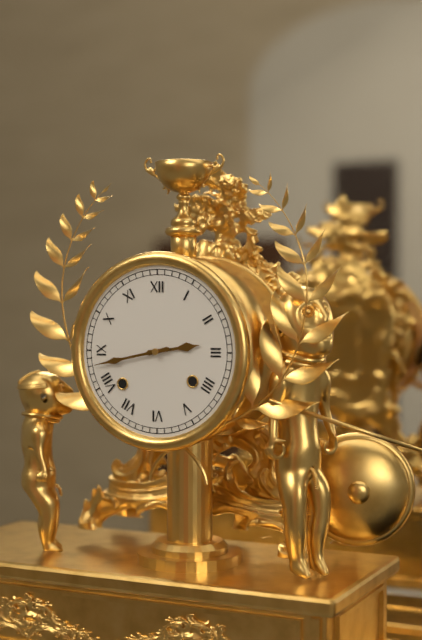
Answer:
h=2 m=43
